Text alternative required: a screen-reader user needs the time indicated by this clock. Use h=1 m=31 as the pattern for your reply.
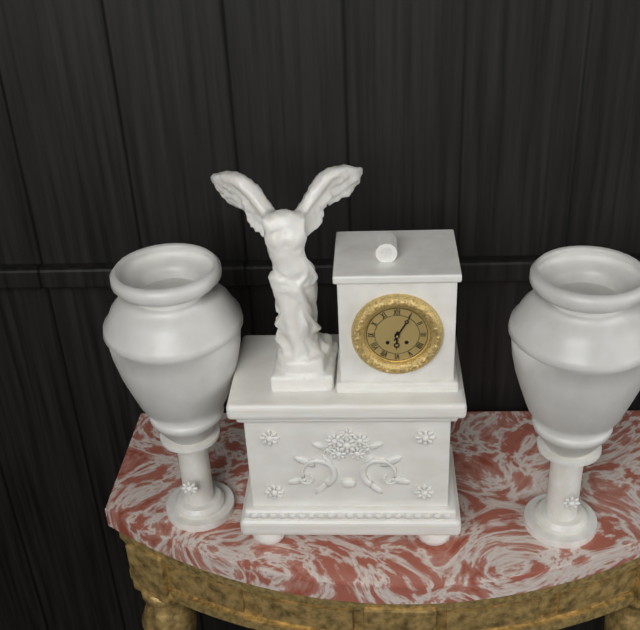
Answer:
h=6 m=5
